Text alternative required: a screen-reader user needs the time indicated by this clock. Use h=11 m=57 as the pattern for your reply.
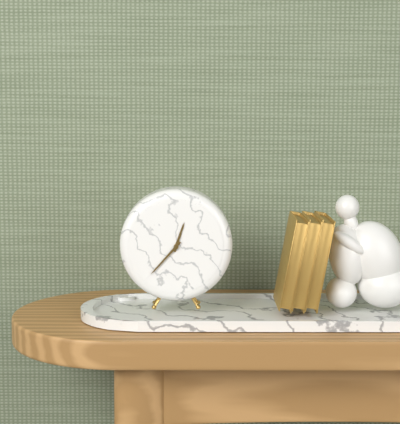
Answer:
h=12 m=37
